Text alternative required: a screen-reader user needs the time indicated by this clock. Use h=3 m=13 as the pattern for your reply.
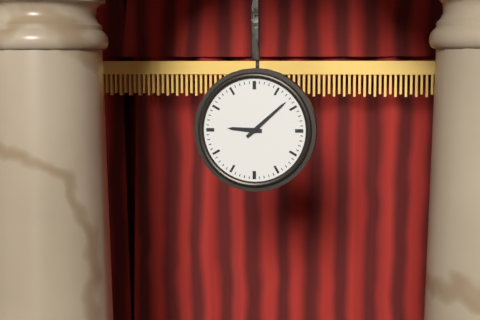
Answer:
h=9 m=8
